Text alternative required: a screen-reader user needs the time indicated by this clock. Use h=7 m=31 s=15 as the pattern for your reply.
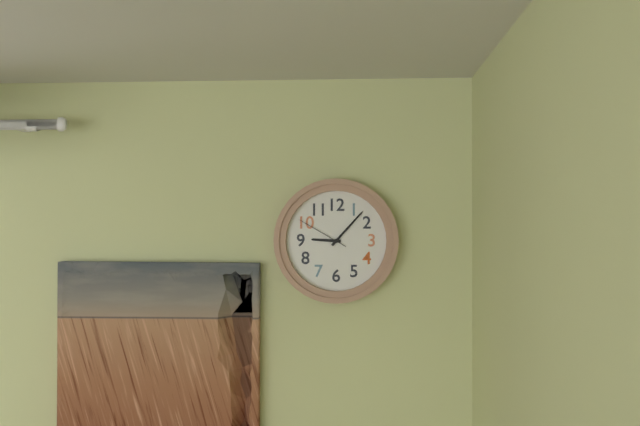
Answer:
h=9 m=7 s=50
